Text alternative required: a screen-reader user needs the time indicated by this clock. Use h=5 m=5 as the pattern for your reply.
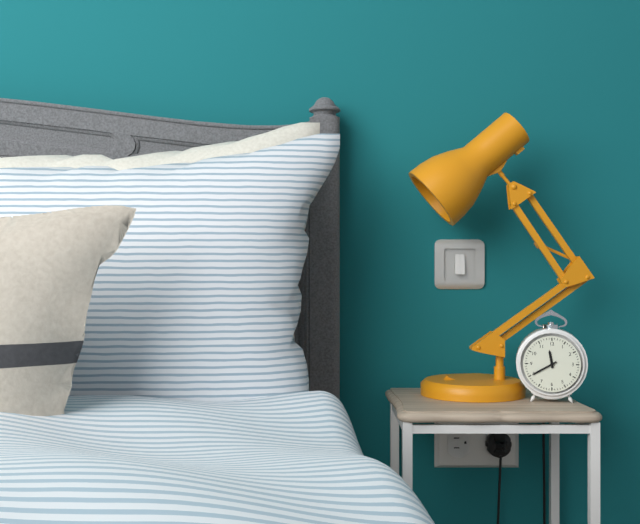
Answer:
h=11 m=40
